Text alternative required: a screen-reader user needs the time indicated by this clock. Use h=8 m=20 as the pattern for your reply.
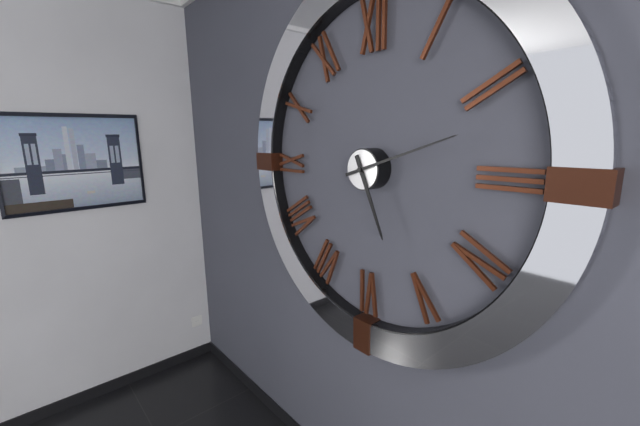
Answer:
h=5 m=12
